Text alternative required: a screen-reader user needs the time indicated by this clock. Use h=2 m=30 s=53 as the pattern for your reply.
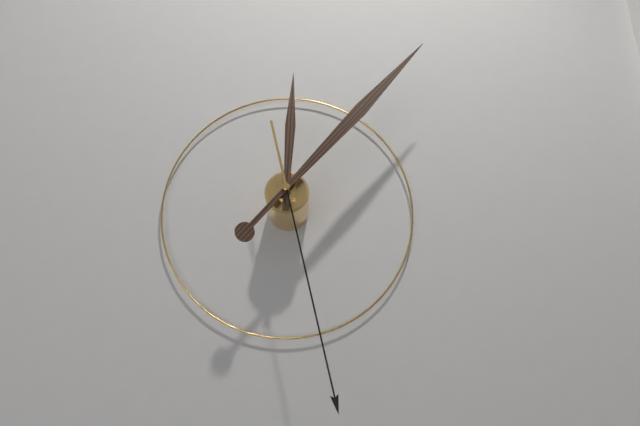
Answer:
h=12 m=7 s=28
